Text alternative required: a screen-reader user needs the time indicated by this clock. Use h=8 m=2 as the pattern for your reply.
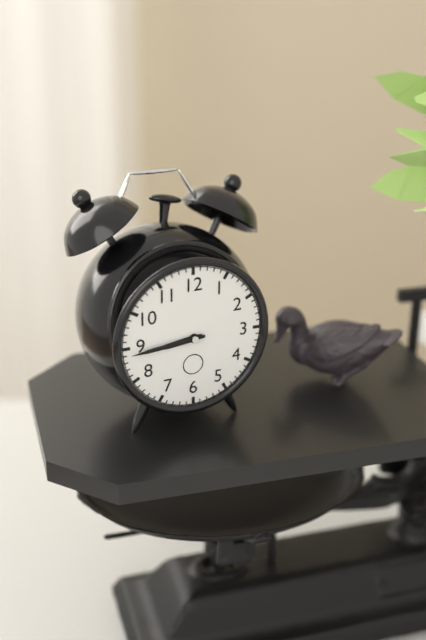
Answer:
h=8 m=44
